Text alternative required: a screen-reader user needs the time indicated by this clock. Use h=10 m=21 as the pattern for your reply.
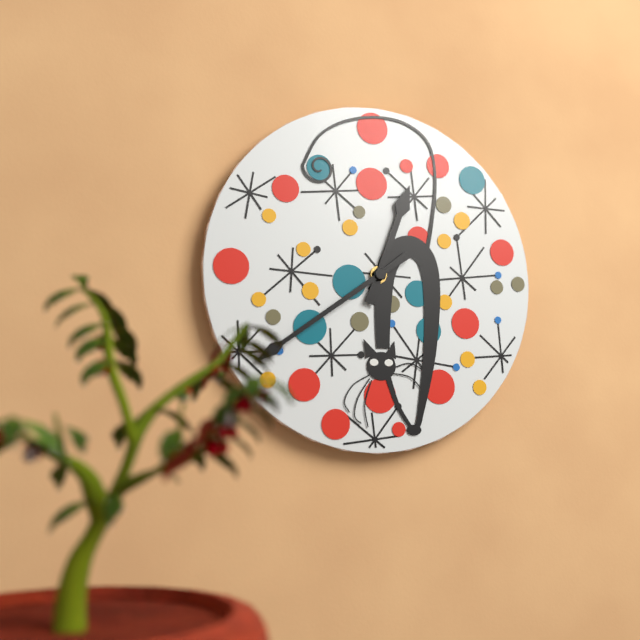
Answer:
h=12 m=39
